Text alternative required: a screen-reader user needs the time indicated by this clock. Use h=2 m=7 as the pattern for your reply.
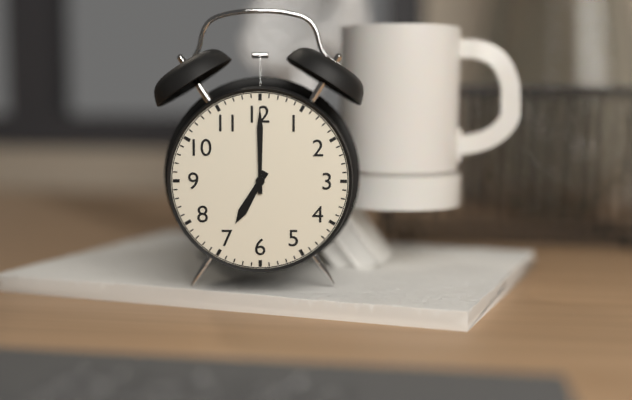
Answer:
h=7 m=0
